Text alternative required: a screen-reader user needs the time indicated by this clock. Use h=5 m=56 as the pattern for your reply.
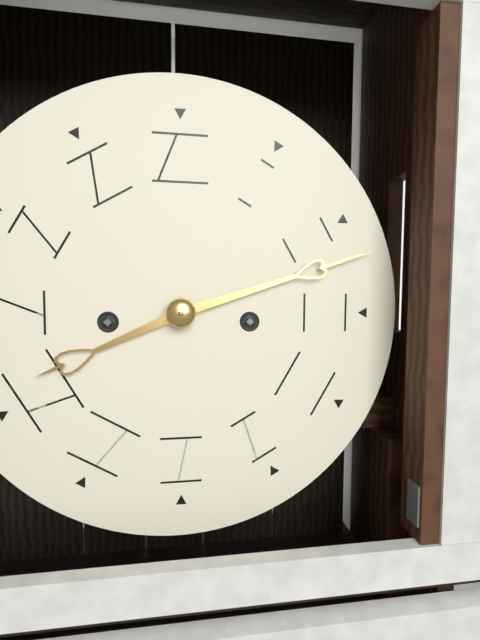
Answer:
h=8 m=12
